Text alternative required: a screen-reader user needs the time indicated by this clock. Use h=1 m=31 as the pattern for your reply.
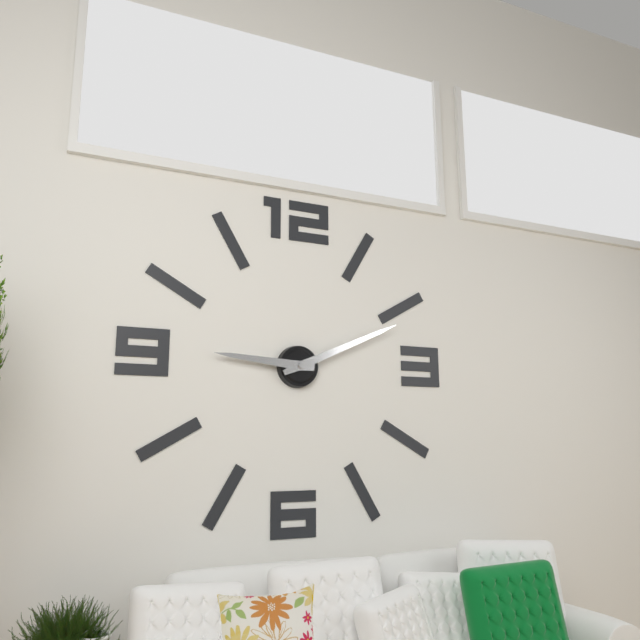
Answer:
h=9 m=11
